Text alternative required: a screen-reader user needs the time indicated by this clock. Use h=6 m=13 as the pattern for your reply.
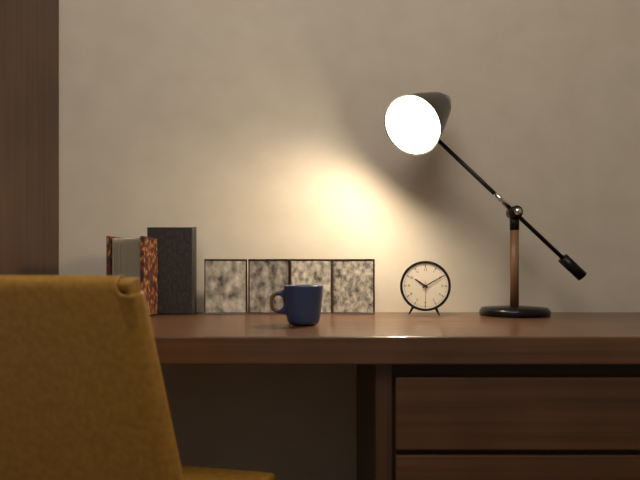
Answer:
h=10 m=10
